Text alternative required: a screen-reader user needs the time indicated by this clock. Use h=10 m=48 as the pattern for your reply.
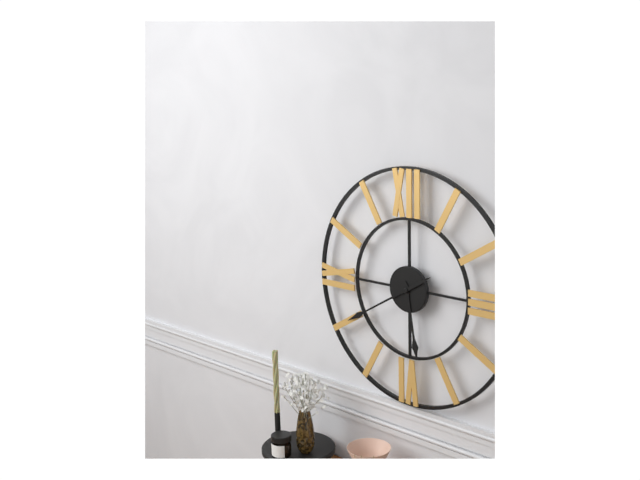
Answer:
h=5 m=40
